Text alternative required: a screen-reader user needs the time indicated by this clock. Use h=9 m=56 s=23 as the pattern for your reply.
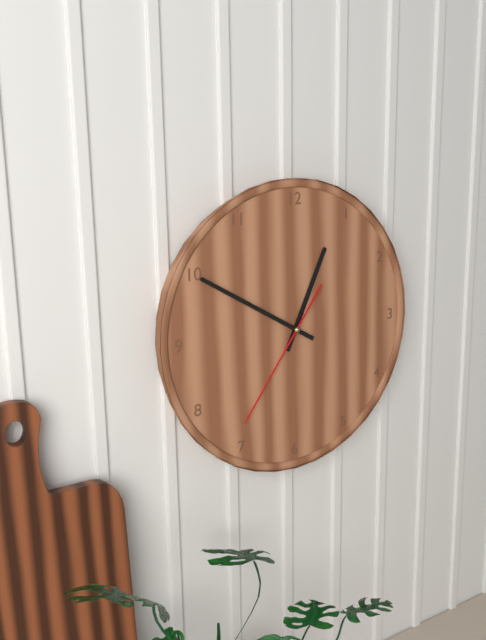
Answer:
h=12 m=50 s=36
